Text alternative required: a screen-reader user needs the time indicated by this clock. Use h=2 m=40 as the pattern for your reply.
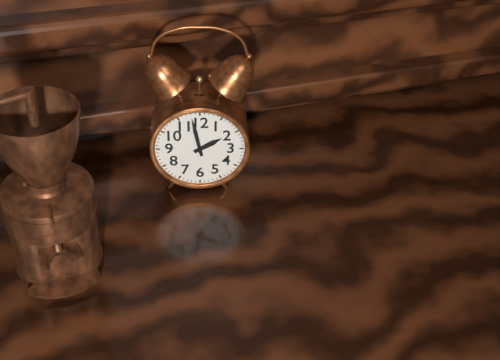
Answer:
h=1 m=58
